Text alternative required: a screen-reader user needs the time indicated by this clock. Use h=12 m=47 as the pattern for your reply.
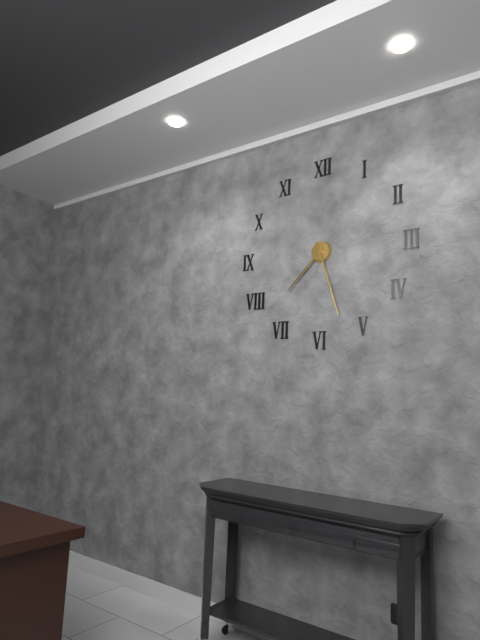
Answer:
h=7 m=27
